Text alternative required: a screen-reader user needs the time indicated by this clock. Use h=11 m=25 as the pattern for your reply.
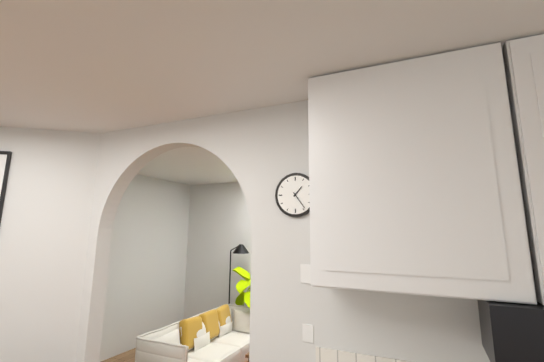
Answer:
h=1 m=24
